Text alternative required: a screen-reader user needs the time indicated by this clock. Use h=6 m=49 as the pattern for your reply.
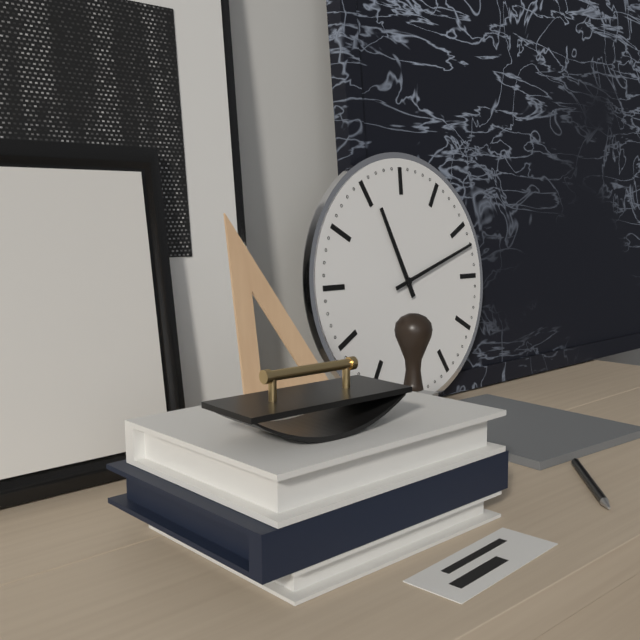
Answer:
h=11 m=12
